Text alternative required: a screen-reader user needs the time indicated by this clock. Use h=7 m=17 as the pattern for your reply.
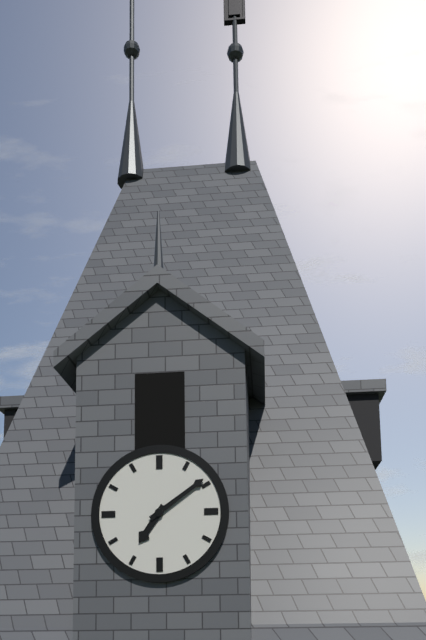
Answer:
h=7 m=9
